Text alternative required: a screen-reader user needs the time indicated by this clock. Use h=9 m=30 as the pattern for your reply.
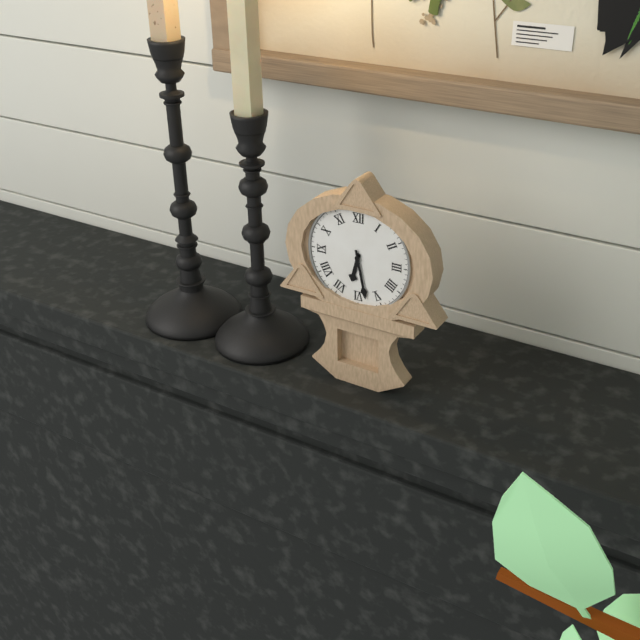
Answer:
h=6 m=28
